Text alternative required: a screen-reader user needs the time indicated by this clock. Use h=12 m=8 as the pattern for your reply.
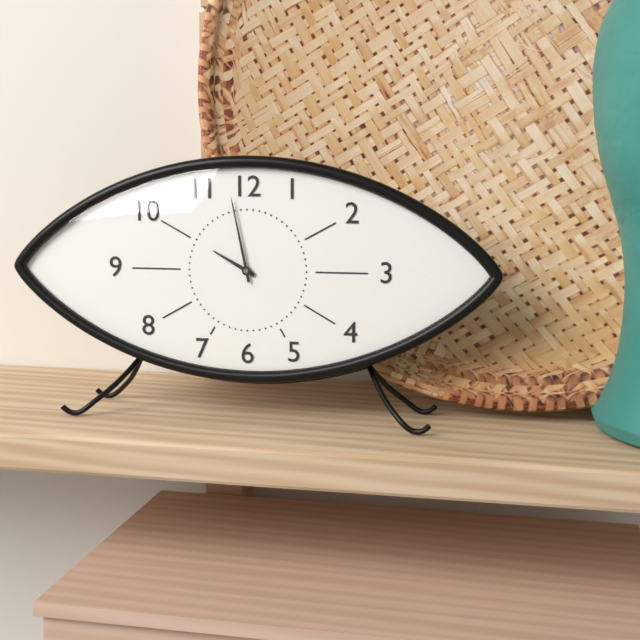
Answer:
h=9 m=58
